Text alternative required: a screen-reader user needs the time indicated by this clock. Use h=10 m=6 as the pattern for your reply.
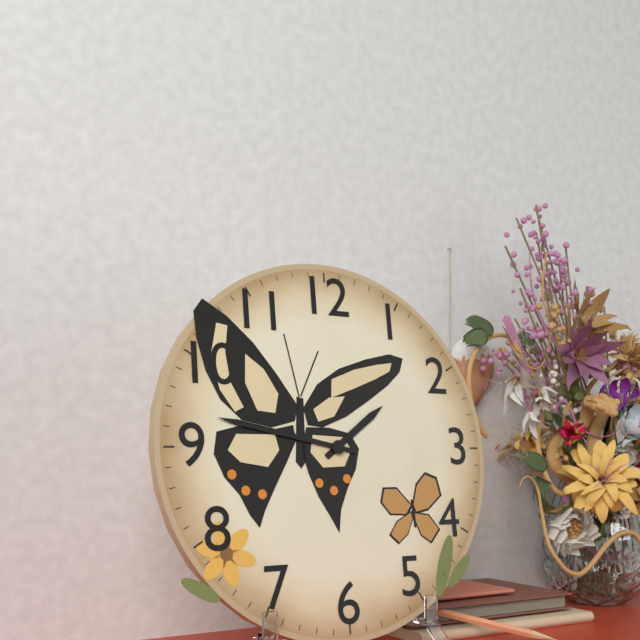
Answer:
h=1 m=47
